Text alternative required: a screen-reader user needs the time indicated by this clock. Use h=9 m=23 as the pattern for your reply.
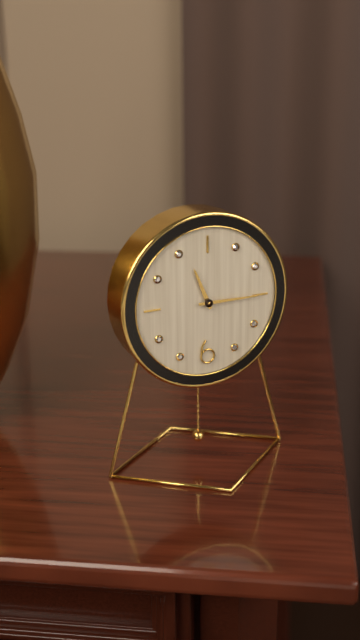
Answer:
h=11 m=15
